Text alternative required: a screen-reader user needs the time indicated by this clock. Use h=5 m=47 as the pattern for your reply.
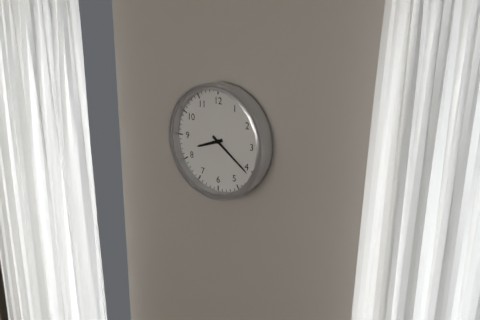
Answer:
h=8 m=21
